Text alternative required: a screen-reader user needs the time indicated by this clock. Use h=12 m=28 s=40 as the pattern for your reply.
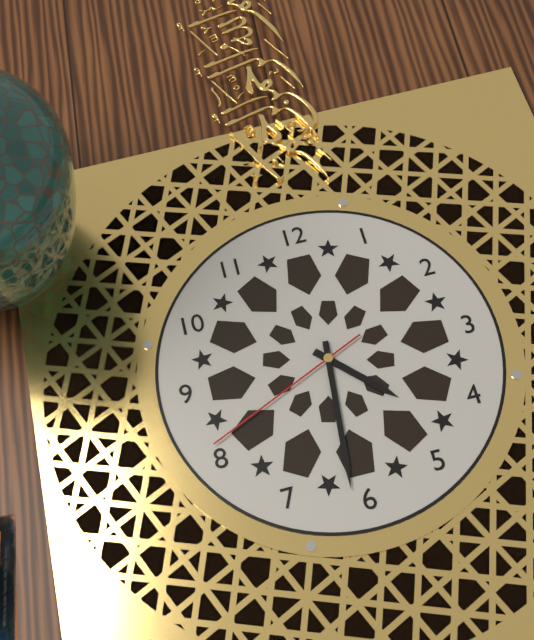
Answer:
h=4 m=31 s=41
